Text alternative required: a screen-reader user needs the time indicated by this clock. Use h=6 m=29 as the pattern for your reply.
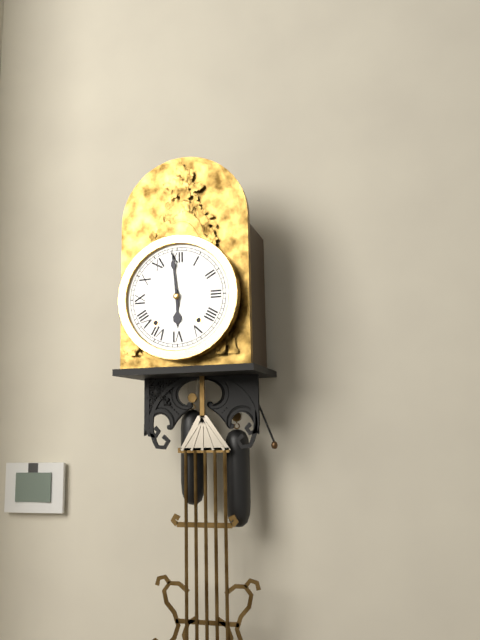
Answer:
h=5 m=59
